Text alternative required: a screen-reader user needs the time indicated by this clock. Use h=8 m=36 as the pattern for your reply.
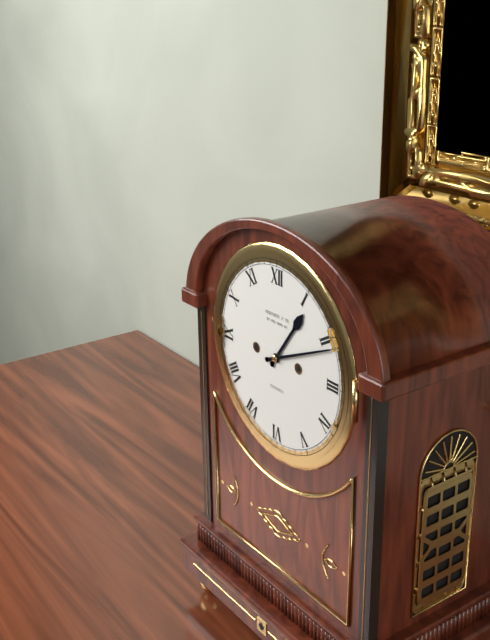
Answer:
h=1 m=11
